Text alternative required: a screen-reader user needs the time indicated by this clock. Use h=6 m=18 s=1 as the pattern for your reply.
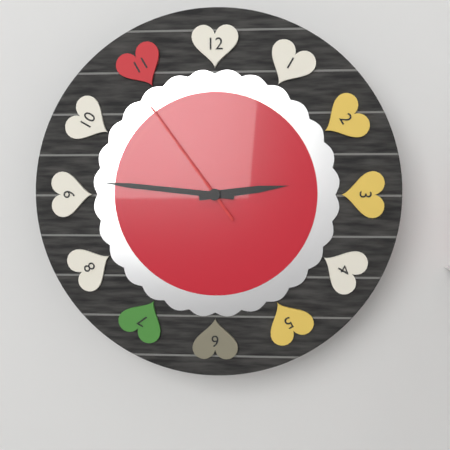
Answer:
h=2 m=46 s=54
